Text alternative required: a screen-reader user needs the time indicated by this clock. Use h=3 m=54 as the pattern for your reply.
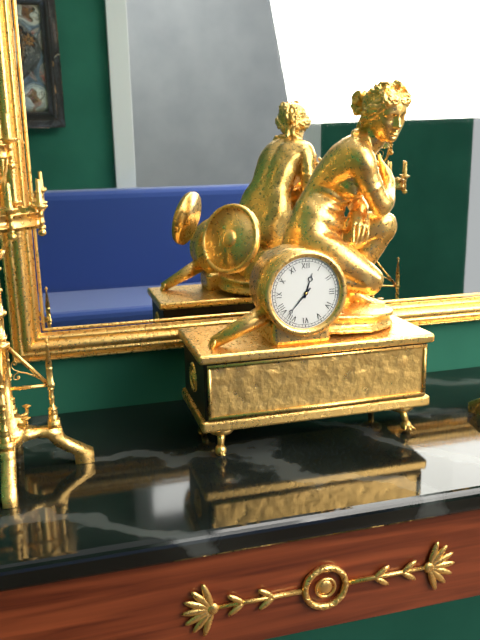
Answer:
h=12 m=37
